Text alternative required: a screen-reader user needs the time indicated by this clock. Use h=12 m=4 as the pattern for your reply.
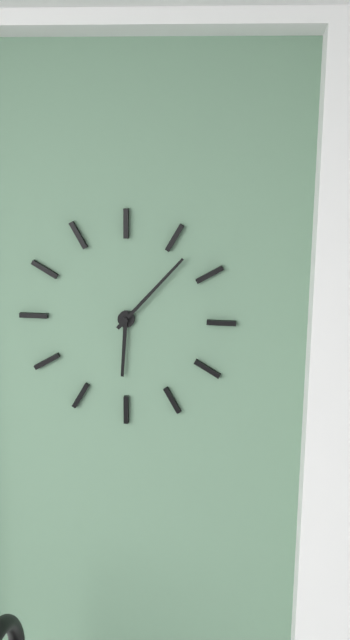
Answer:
h=6 m=7
